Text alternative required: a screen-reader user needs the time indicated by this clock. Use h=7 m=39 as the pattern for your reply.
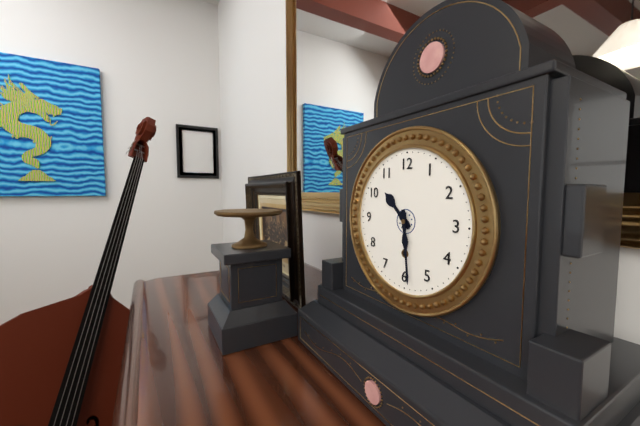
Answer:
h=10 m=29
